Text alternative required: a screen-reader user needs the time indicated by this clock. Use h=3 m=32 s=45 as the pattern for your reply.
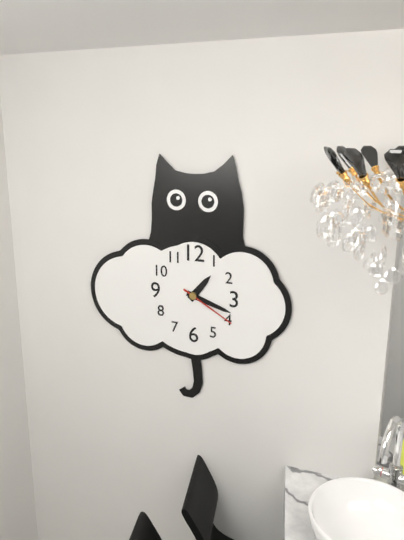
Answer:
h=1 m=18 s=20
